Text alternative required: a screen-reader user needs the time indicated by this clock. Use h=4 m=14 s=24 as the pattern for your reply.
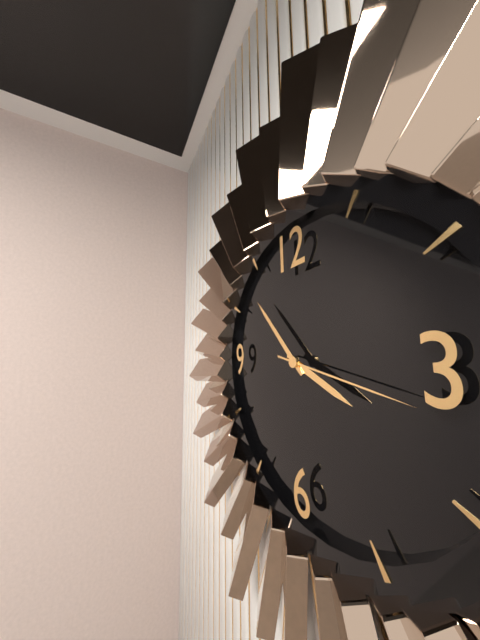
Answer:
h=3 m=53 s=17
